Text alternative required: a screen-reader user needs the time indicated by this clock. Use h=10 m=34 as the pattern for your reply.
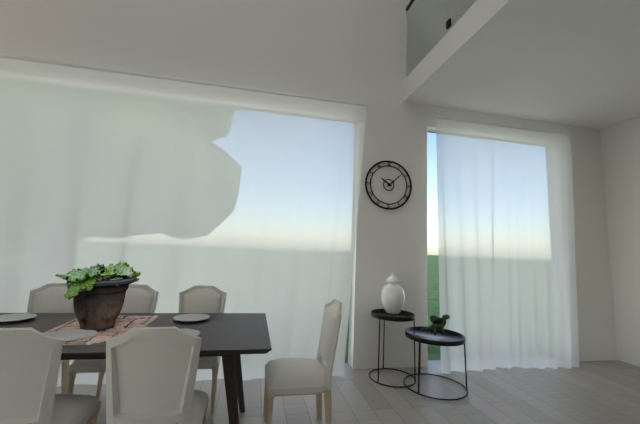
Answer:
h=10 m=8
